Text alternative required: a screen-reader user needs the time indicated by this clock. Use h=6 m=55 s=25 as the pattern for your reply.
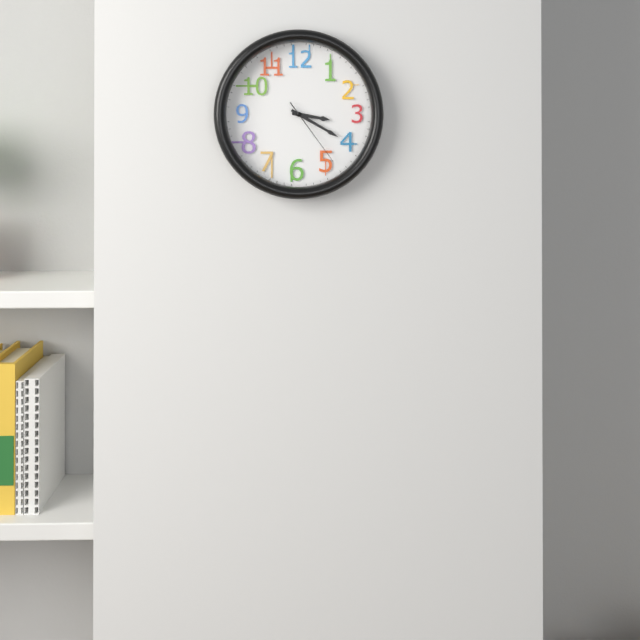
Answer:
h=3 m=20 s=24
